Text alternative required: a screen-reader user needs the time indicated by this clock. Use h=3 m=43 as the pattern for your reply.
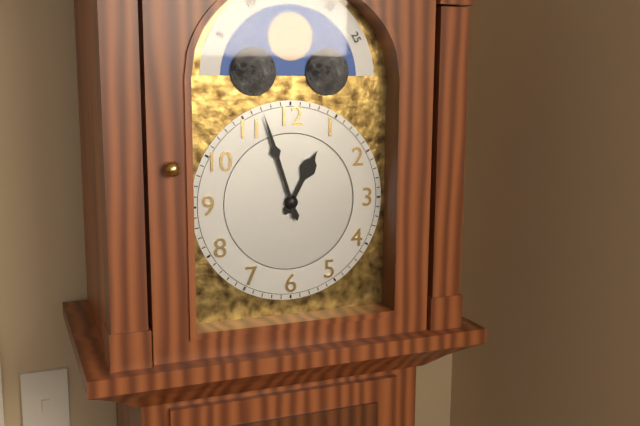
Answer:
h=12 m=57
